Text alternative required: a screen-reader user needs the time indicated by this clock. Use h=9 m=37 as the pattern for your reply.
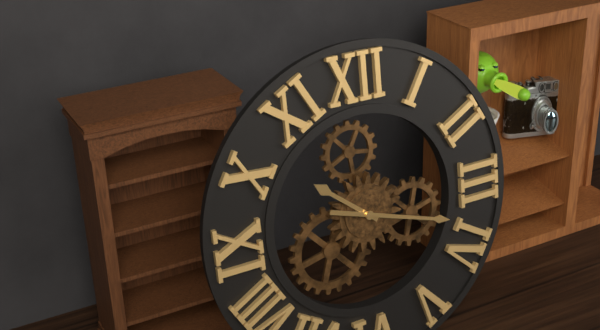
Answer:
h=10 m=18
